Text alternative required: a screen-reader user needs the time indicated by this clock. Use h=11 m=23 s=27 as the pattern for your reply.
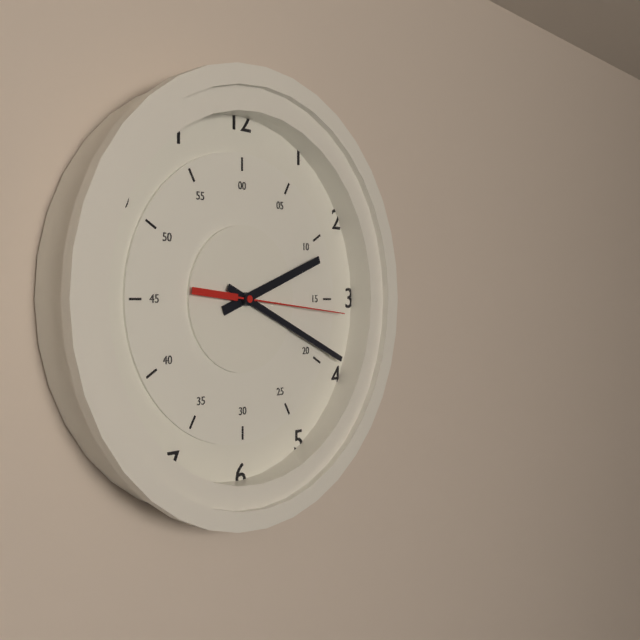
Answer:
h=2 m=19 s=16
